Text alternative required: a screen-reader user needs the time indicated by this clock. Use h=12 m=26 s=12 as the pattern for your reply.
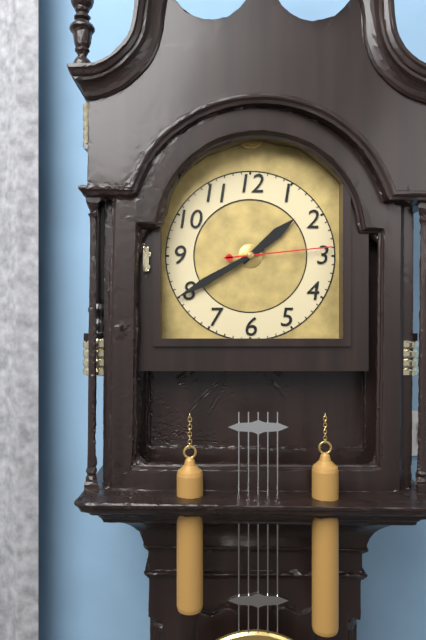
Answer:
h=1 m=40 s=14
